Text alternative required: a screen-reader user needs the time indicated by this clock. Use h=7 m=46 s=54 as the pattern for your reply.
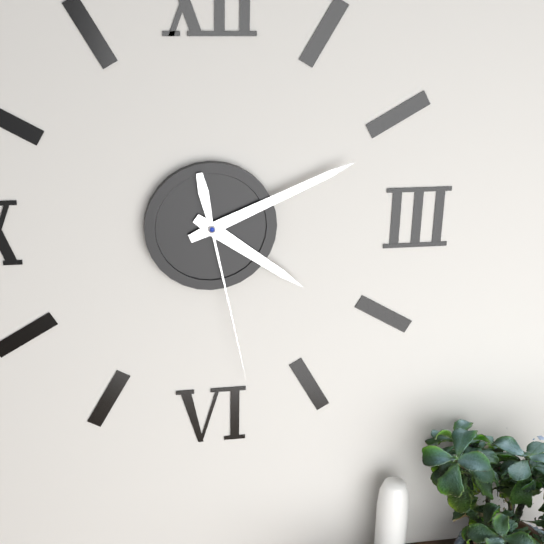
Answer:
h=4 m=11 s=28
